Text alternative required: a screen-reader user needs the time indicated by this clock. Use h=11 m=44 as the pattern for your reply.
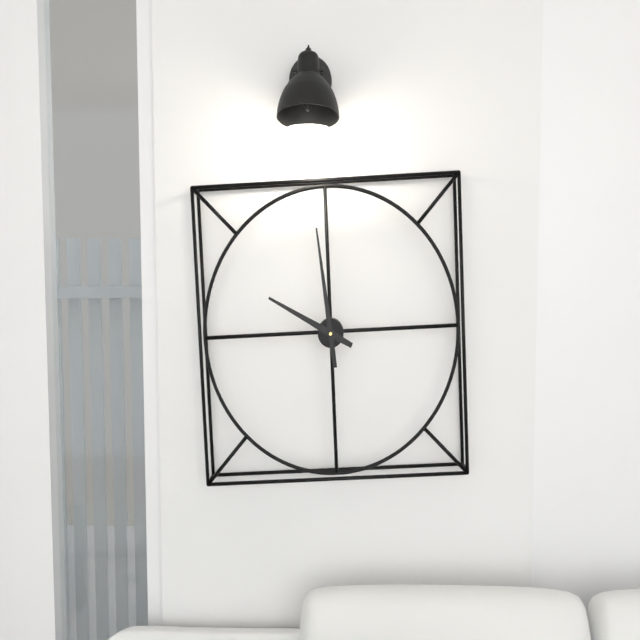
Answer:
h=9 m=59
